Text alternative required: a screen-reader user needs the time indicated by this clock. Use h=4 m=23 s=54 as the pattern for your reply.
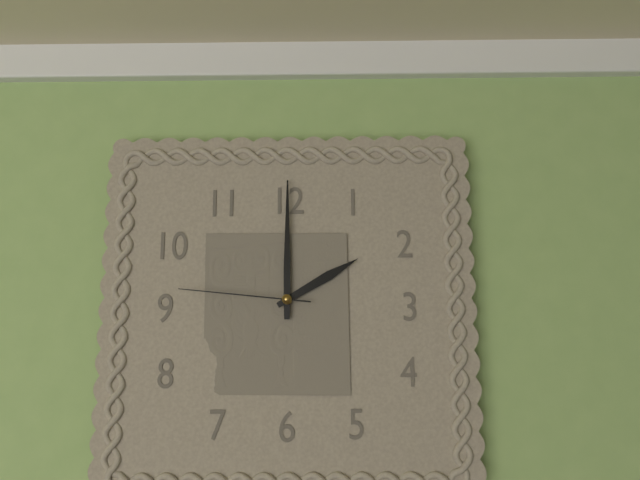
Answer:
h=2 m=0 s=46
